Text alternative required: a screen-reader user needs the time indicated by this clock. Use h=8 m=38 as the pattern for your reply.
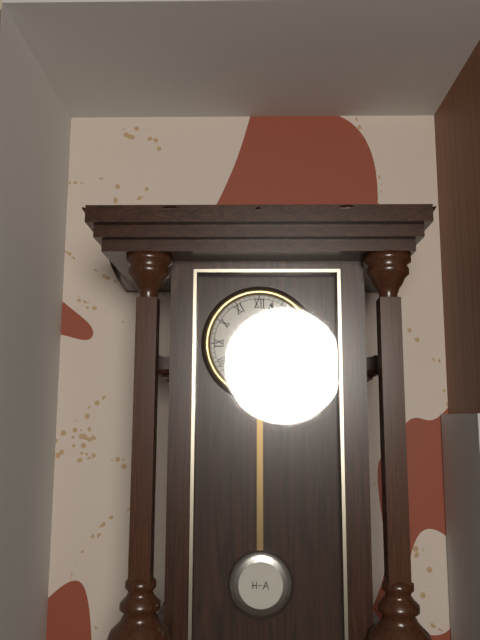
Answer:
h=5 m=3
